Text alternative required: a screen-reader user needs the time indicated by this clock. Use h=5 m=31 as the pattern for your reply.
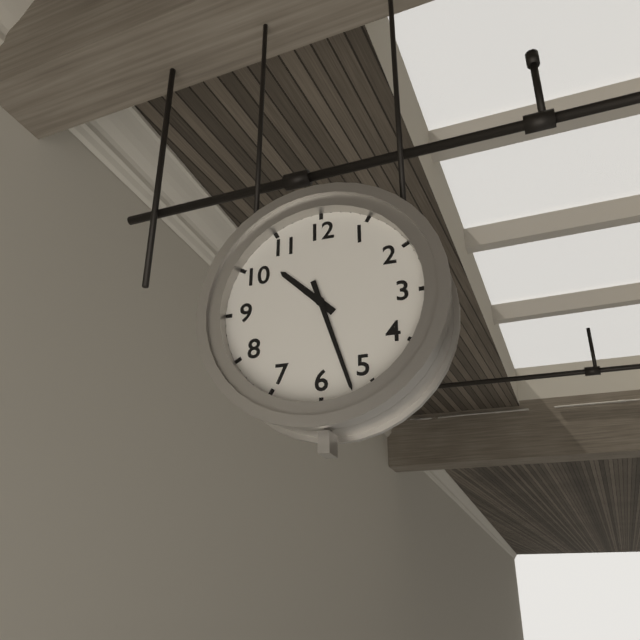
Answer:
h=10 m=27
